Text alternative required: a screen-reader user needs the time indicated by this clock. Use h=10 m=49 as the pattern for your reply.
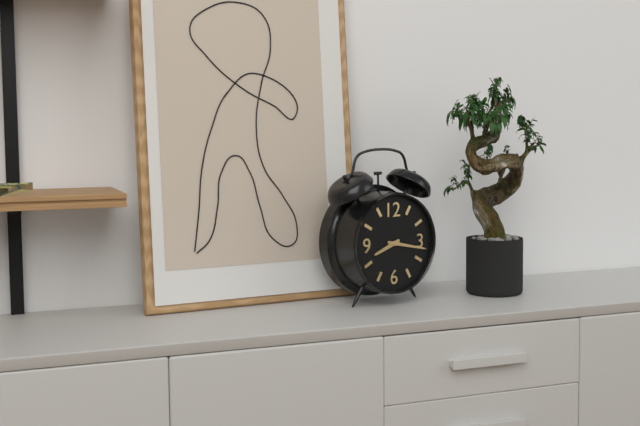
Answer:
h=8 m=17
